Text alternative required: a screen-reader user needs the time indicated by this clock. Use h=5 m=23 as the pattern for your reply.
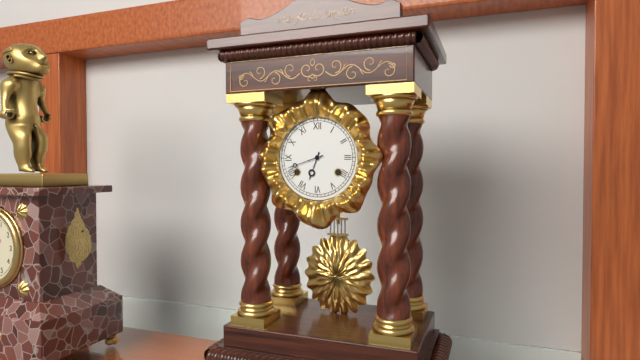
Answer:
h=6 m=42
